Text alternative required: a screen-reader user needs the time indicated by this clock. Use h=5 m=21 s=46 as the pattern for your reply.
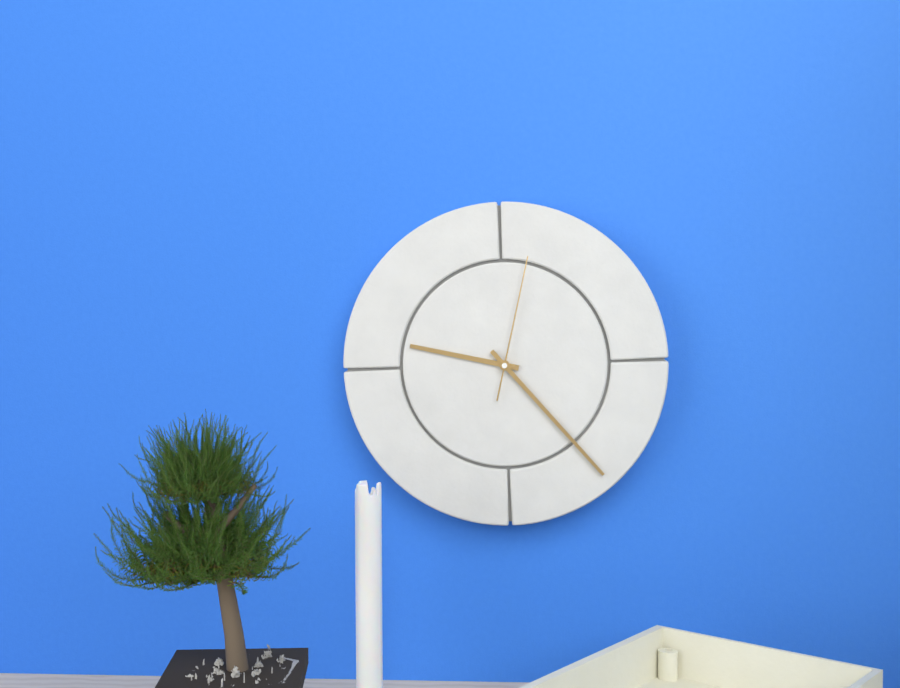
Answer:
h=9 m=23 s=2
